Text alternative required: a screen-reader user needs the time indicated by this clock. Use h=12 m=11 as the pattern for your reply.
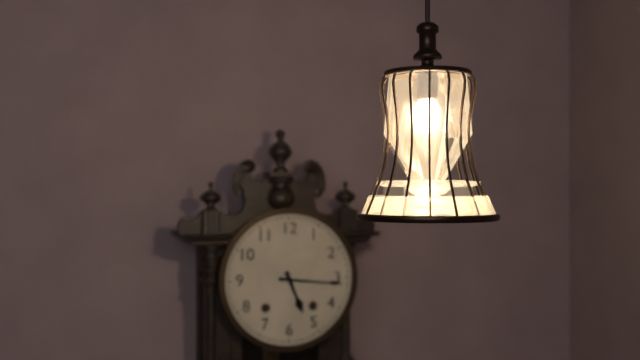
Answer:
h=5 m=16
